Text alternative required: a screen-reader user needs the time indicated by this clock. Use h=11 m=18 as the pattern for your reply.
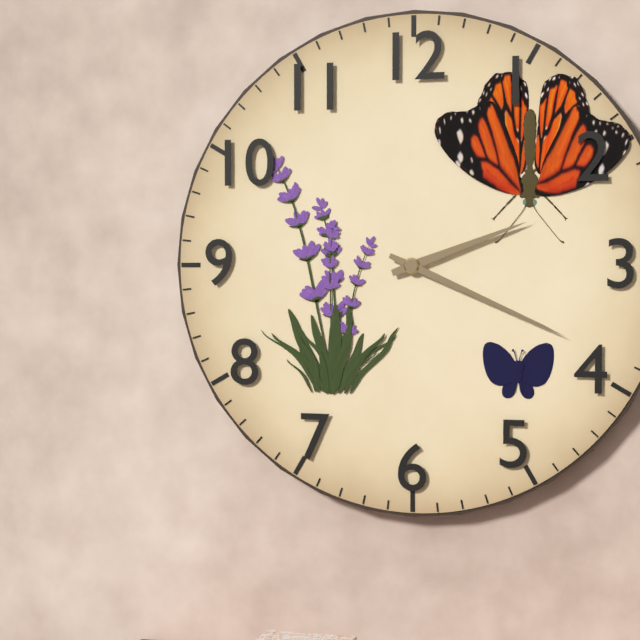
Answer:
h=2 m=19
